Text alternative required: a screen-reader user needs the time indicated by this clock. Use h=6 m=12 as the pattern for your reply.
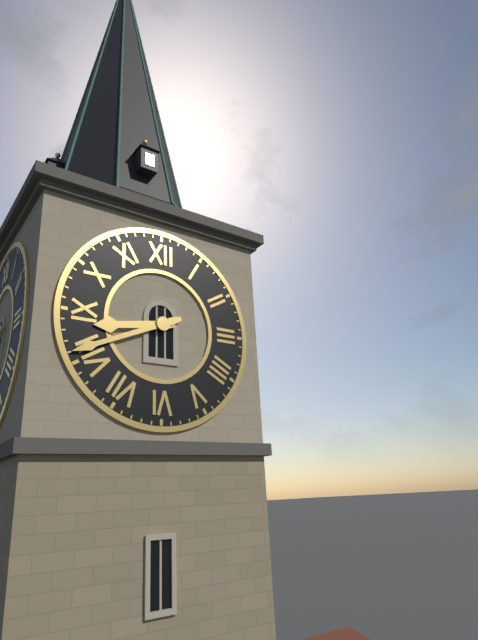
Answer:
h=8 m=41
